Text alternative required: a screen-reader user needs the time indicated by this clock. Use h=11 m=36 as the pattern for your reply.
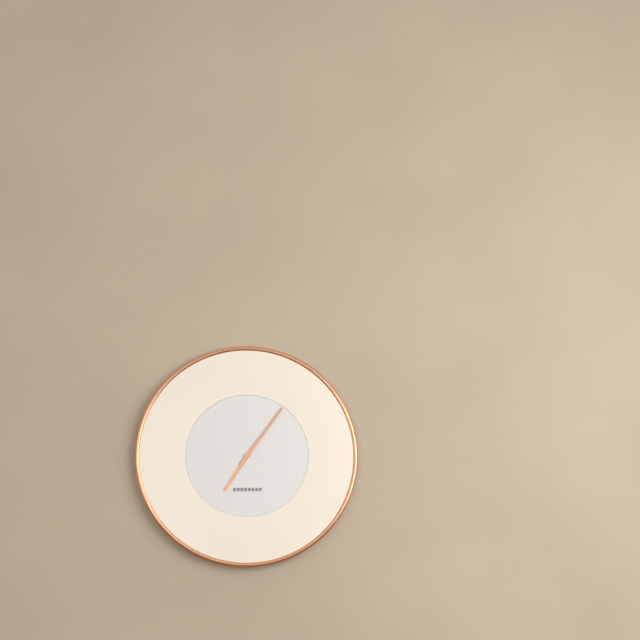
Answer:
h=7 m=6
